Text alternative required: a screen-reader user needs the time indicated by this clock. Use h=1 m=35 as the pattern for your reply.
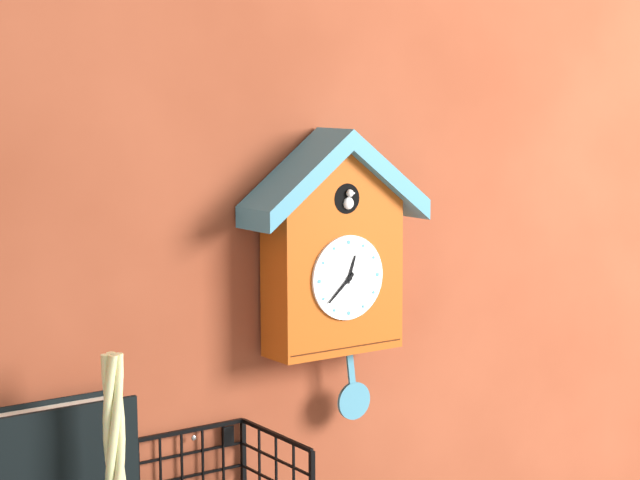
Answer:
h=12 m=38
